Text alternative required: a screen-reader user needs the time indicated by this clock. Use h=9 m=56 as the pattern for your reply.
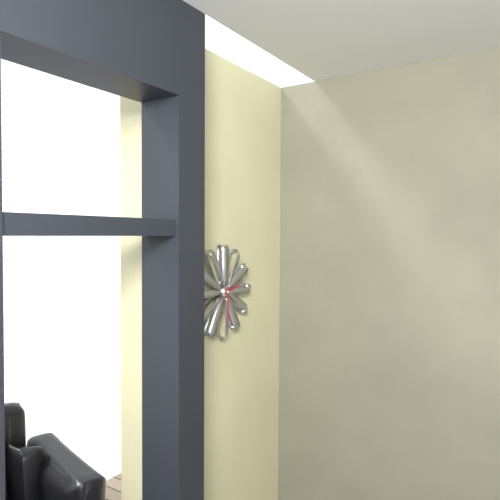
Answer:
h=2 m=30
